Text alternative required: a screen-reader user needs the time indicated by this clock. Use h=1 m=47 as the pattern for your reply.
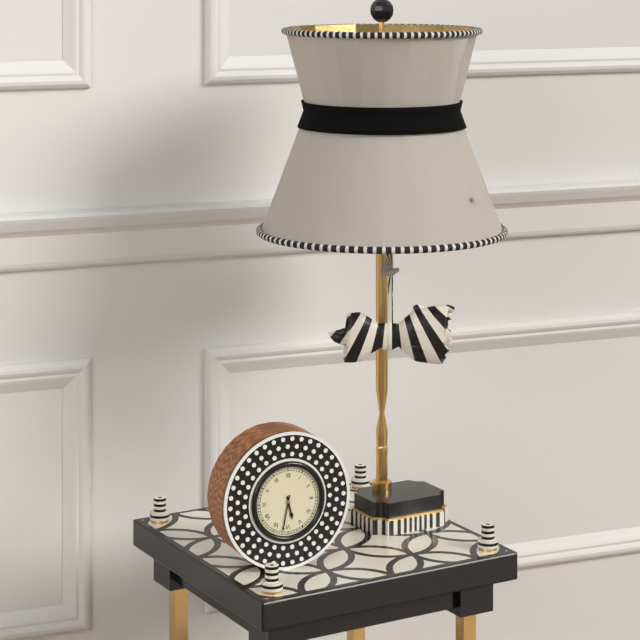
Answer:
h=5 m=32
